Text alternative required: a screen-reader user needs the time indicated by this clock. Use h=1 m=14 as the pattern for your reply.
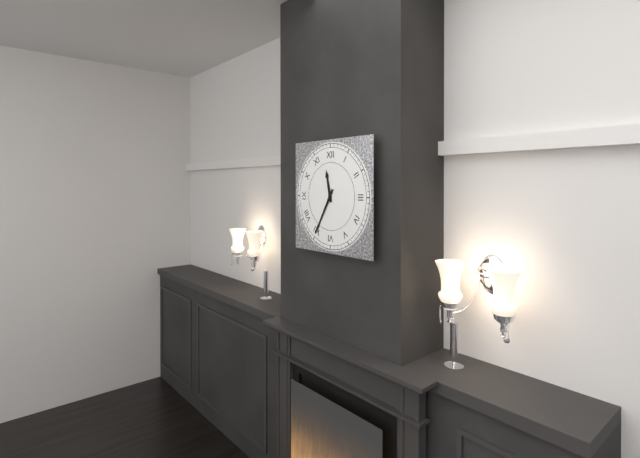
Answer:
h=11 m=35
